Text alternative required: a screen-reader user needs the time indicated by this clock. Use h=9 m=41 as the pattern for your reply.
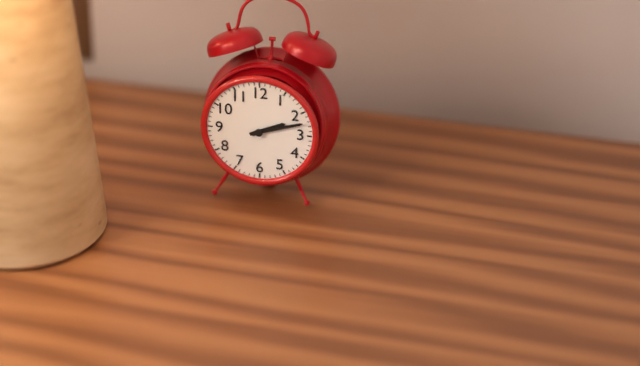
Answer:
h=2 m=12
